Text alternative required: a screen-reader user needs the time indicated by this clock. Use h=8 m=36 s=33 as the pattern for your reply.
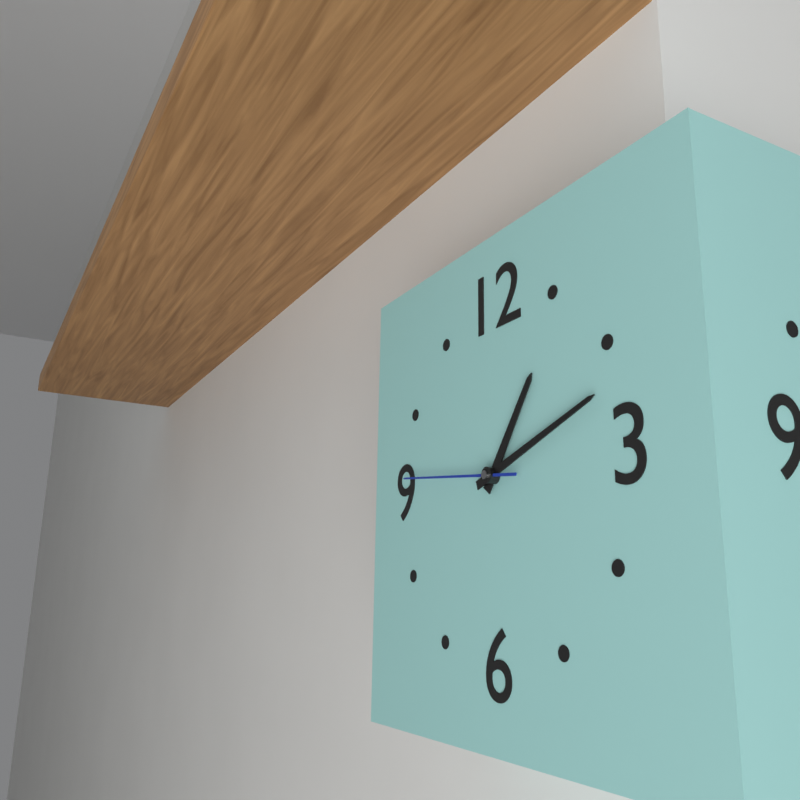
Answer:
h=1 m=12 s=46
